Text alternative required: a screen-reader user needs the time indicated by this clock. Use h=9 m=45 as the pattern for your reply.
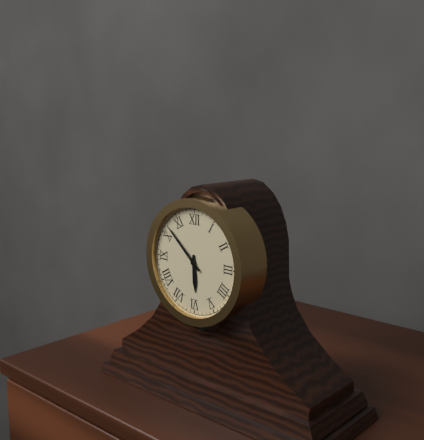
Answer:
h=5 m=52
